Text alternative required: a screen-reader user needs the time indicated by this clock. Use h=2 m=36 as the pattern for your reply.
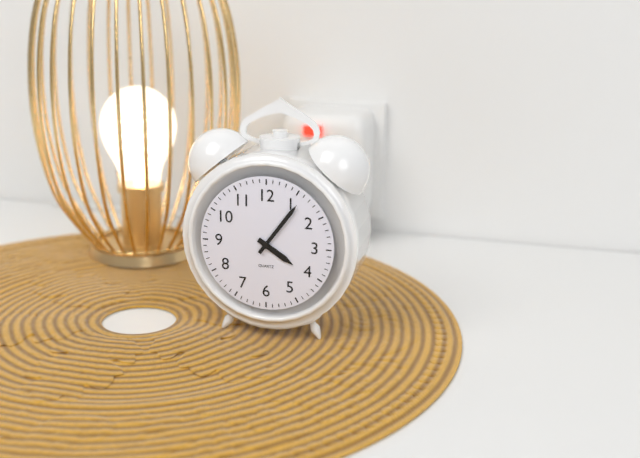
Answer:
h=4 m=6
